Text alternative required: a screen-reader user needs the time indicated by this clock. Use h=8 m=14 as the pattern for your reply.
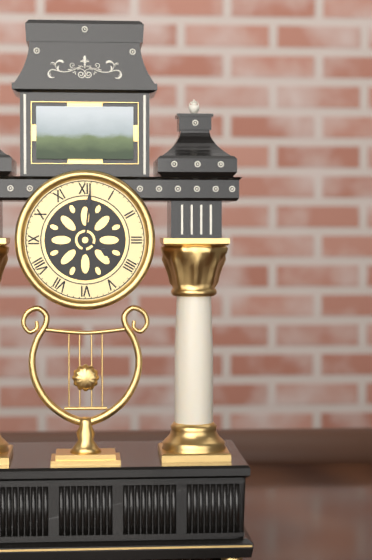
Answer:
h=4 m=1
